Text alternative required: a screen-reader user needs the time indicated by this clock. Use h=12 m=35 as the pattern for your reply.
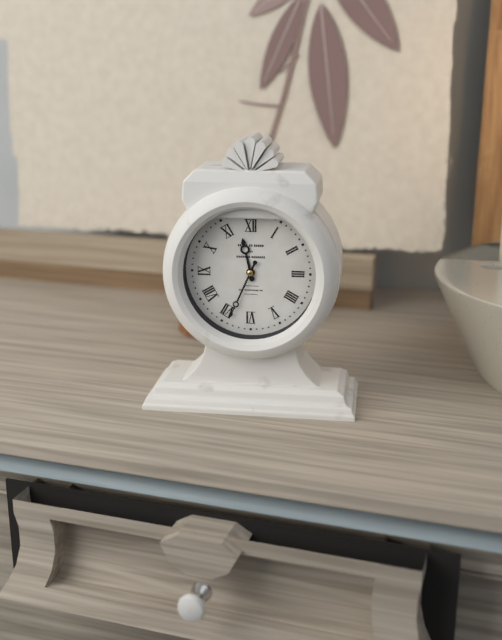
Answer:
h=11 m=34
